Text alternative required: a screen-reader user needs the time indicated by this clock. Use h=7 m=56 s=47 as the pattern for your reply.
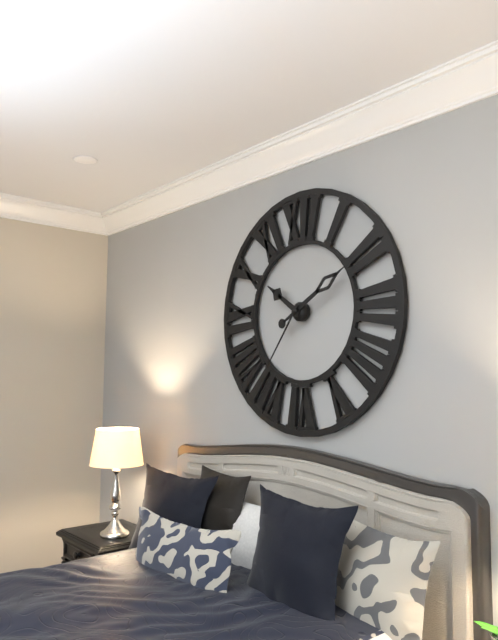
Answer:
h=10 m=10 s=36
